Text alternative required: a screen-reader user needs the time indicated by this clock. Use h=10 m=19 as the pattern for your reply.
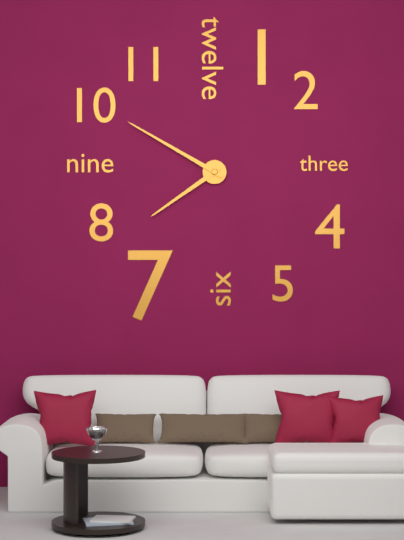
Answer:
h=7 m=50
